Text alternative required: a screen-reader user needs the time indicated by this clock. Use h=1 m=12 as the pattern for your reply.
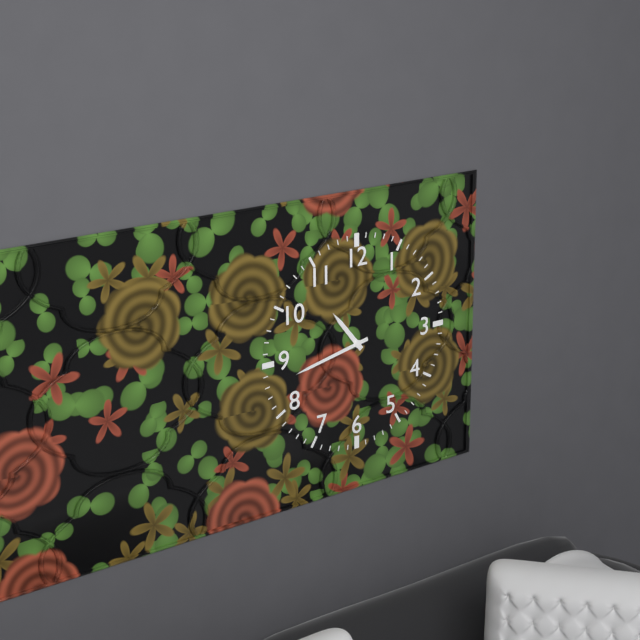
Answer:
h=10 m=43
